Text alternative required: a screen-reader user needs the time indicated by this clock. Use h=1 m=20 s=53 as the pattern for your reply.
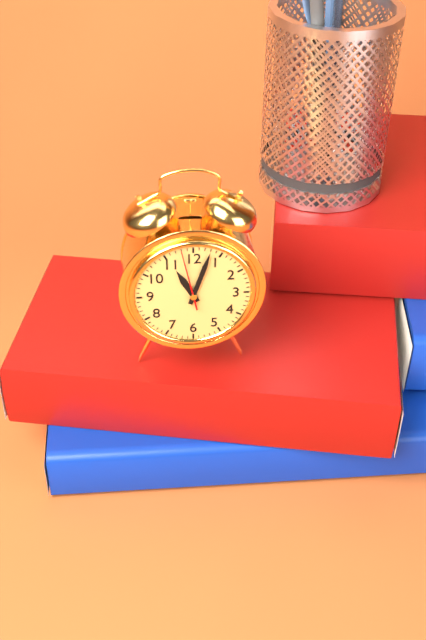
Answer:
h=11 m=3 s=58
